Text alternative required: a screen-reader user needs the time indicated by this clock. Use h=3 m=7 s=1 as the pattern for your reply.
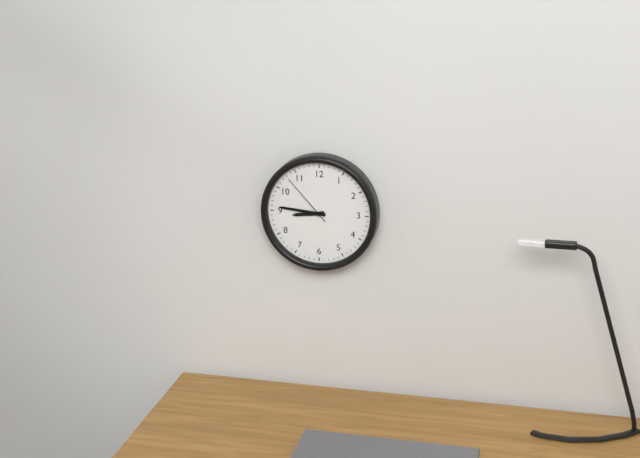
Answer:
h=8 m=46 s=53
